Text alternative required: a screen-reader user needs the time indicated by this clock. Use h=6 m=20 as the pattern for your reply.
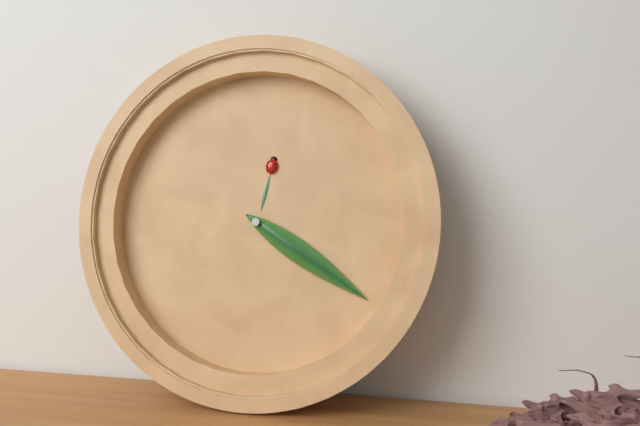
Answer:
h=12 m=20
